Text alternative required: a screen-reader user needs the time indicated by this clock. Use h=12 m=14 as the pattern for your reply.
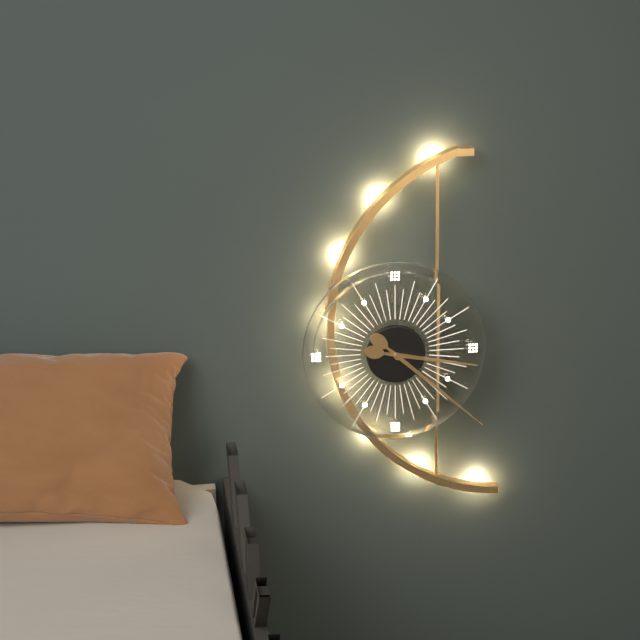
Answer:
h=3 m=22
